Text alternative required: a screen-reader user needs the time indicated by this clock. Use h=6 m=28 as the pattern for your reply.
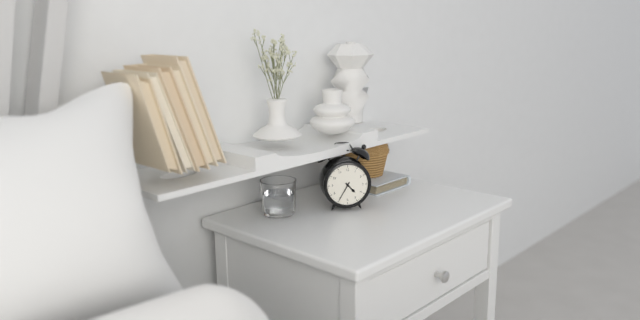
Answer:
h=4 m=35
